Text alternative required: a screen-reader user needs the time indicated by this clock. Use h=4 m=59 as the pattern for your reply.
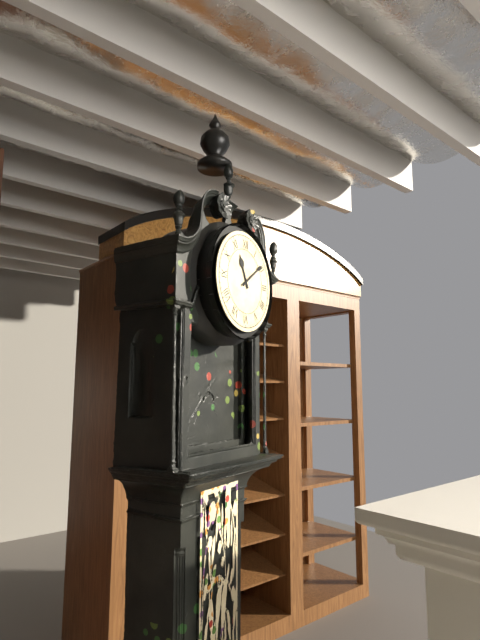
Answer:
h=11 m=9
